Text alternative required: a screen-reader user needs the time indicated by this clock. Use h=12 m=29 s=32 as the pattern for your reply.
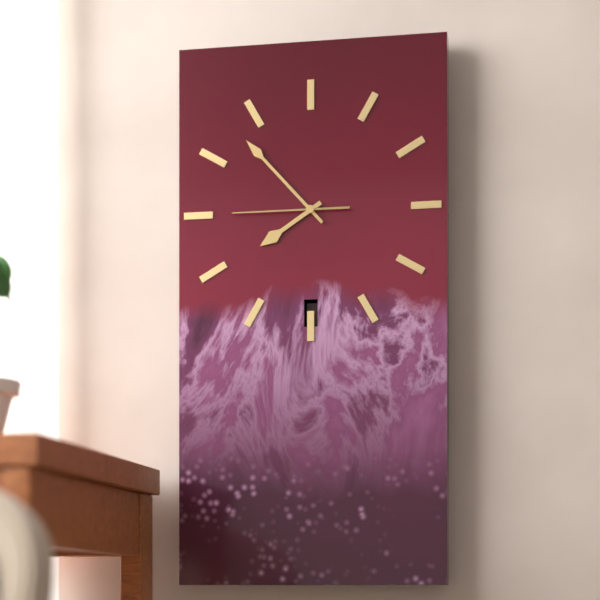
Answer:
h=7 m=53 s=45
